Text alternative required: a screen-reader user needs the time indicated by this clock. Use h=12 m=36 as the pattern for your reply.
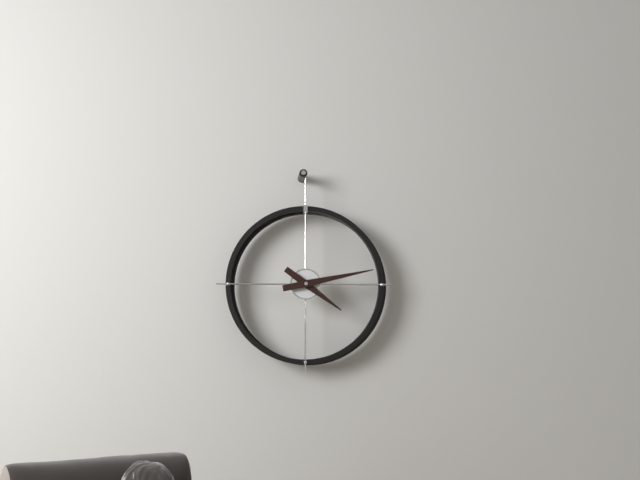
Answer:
h=4 m=13
